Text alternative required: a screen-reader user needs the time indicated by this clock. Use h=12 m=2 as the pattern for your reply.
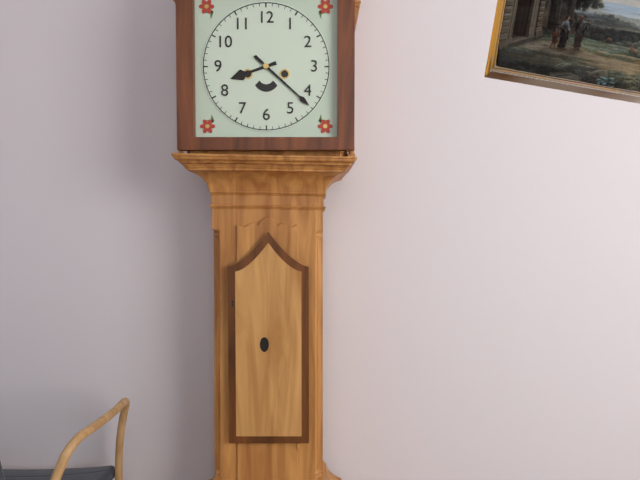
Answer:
h=8 m=22
